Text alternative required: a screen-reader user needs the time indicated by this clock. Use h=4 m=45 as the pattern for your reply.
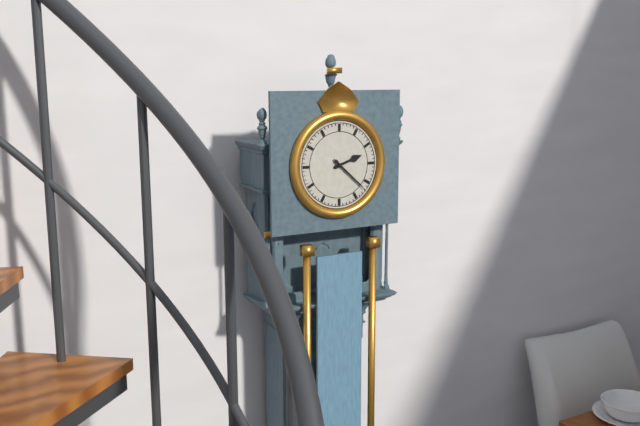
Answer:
h=2 m=22
